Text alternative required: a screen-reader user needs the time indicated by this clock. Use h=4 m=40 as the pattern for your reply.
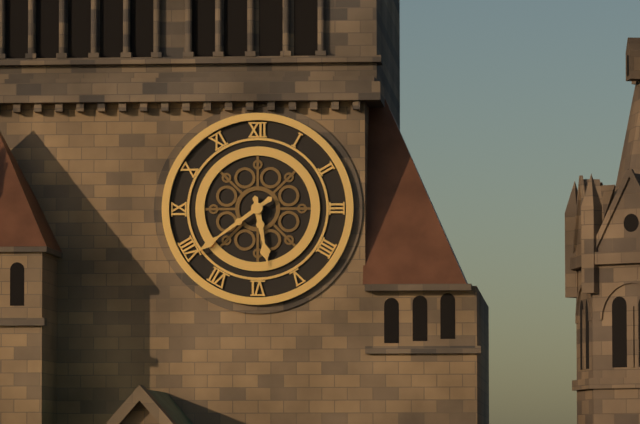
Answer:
h=5 m=39
